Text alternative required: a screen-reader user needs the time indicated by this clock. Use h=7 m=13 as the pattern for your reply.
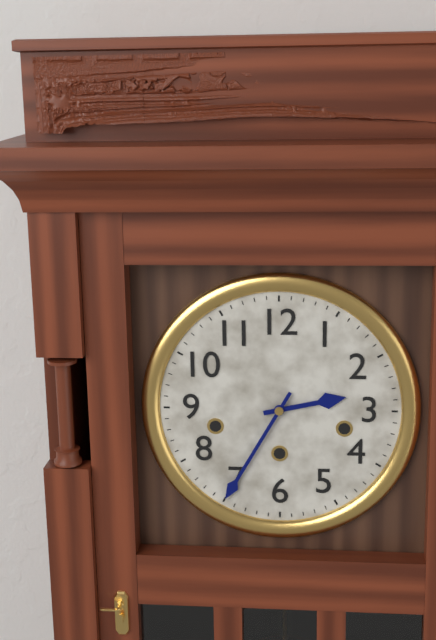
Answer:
h=2 m=35
